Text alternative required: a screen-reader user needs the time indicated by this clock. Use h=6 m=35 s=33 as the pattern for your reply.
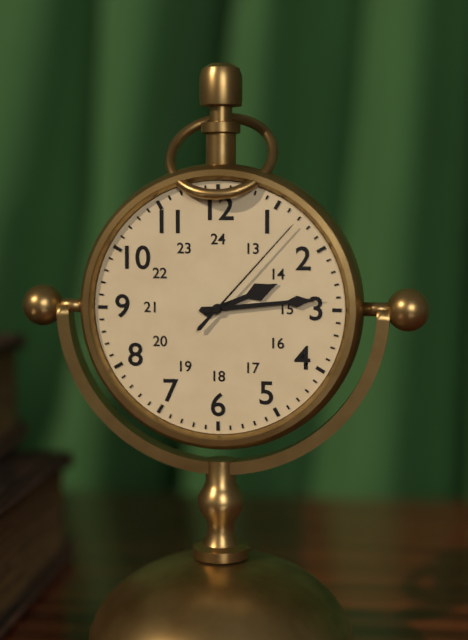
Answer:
h=2 m=14 s=7
